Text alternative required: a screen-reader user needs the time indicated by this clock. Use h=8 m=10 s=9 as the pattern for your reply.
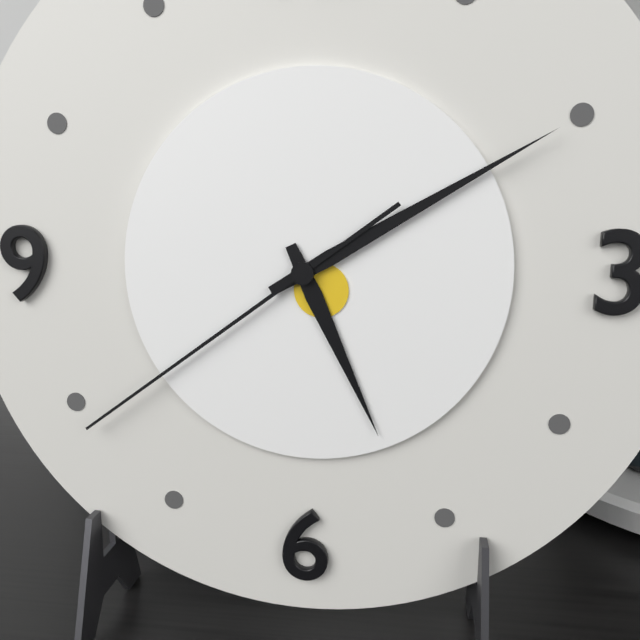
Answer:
h=5 m=10 s=39
